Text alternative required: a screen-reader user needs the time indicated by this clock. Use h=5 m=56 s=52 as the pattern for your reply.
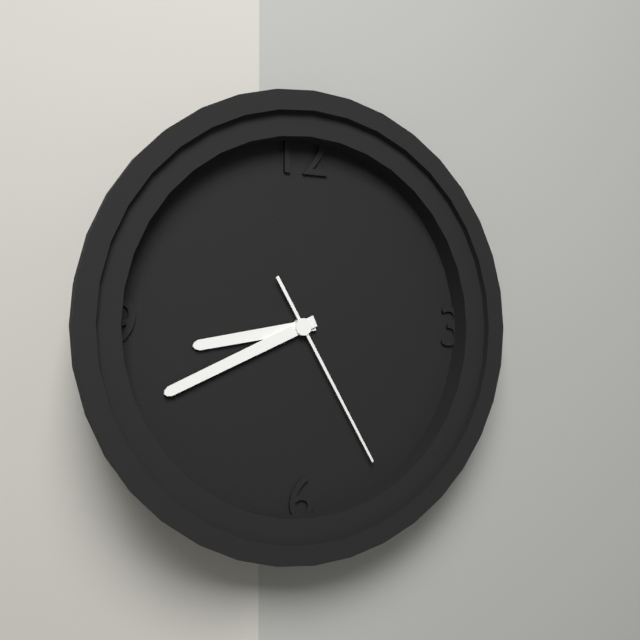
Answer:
h=8 m=41 s=25
